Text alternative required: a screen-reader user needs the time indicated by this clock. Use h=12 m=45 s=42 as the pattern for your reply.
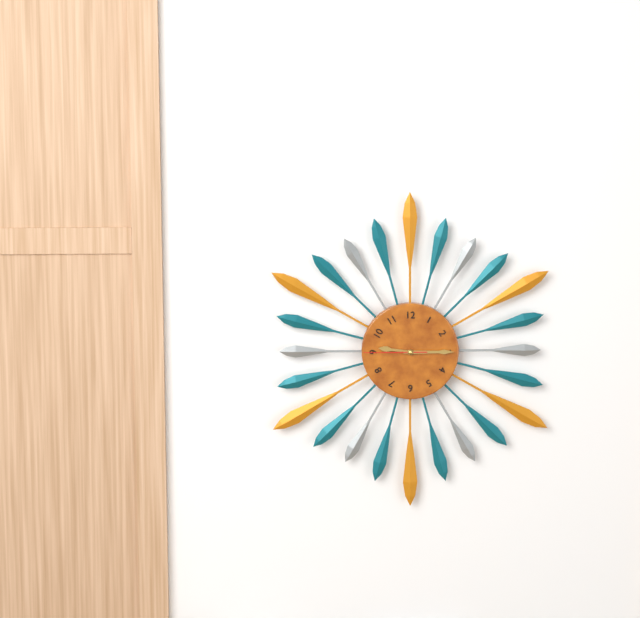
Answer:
h=9 m=15 s=45
